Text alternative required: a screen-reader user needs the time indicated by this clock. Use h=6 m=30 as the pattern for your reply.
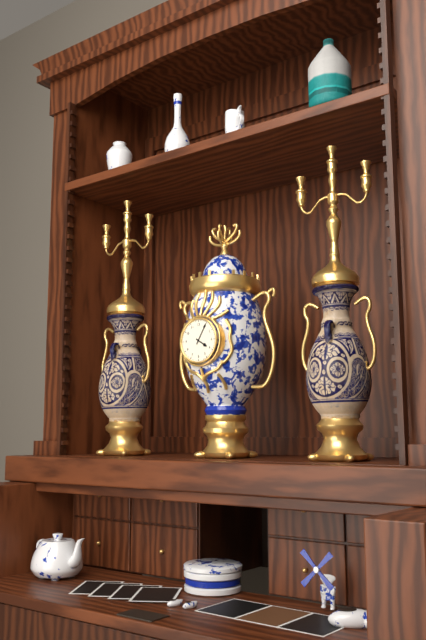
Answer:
h=4 m=5
